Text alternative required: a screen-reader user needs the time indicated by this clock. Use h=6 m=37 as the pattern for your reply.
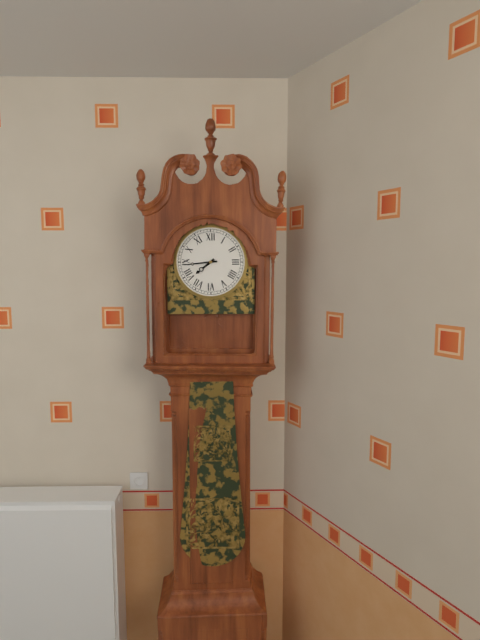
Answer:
h=7 m=44
